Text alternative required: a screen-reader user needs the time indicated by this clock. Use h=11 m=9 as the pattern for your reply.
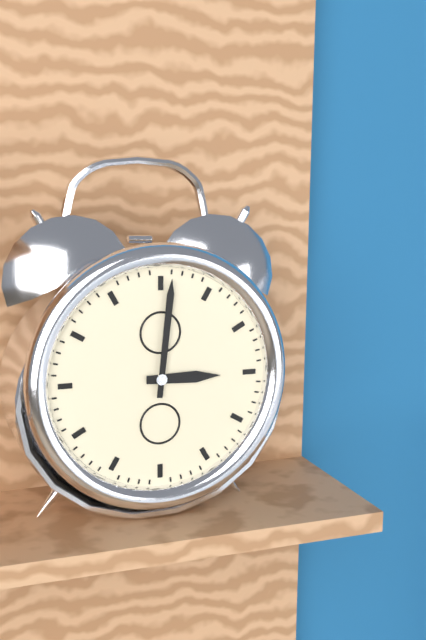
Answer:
h=3 m=1
